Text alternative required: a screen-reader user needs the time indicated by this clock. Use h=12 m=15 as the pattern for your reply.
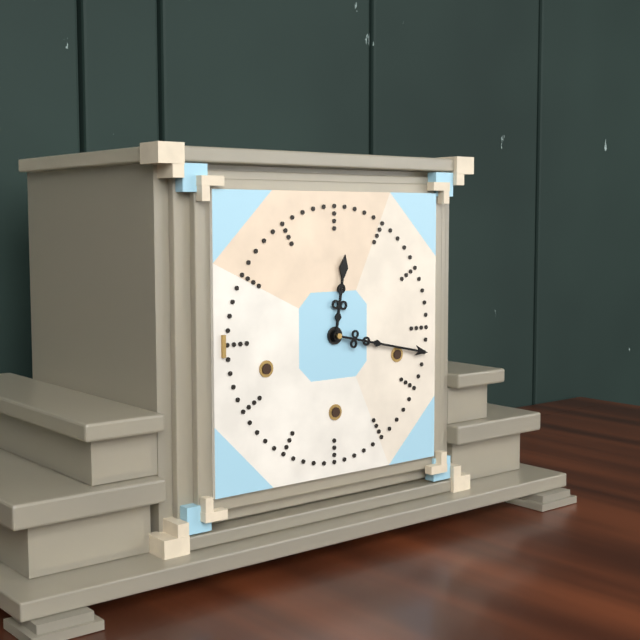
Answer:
h=12 m=17
